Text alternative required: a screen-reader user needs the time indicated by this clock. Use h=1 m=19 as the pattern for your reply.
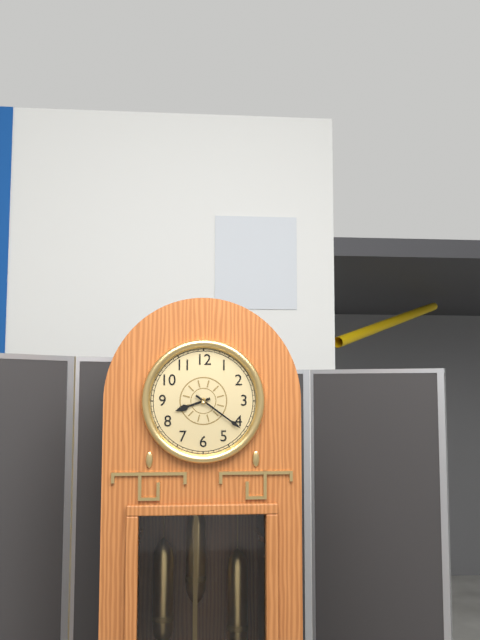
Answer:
h=8 m=21
